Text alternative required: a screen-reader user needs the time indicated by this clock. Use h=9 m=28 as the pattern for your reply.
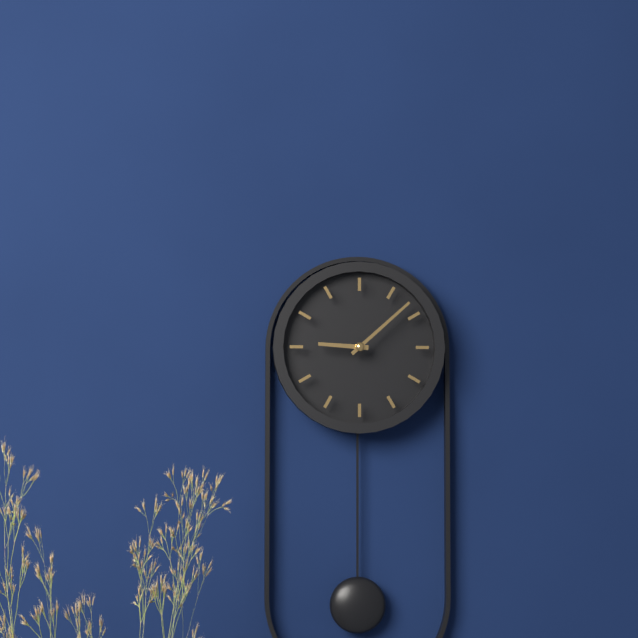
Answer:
h=9 m=8
